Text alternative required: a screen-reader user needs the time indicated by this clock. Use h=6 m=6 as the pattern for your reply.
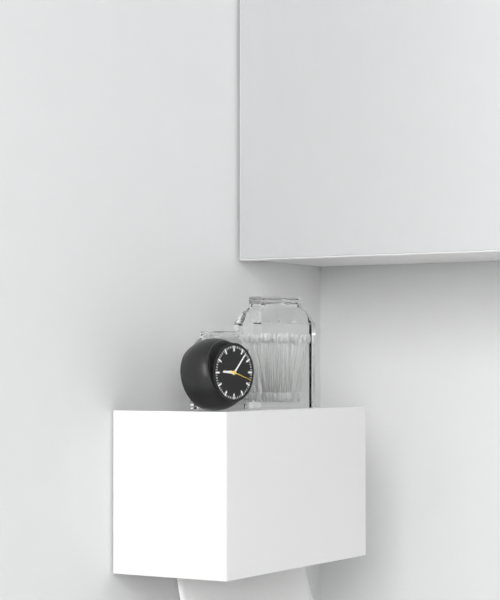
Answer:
h=9 m=7
